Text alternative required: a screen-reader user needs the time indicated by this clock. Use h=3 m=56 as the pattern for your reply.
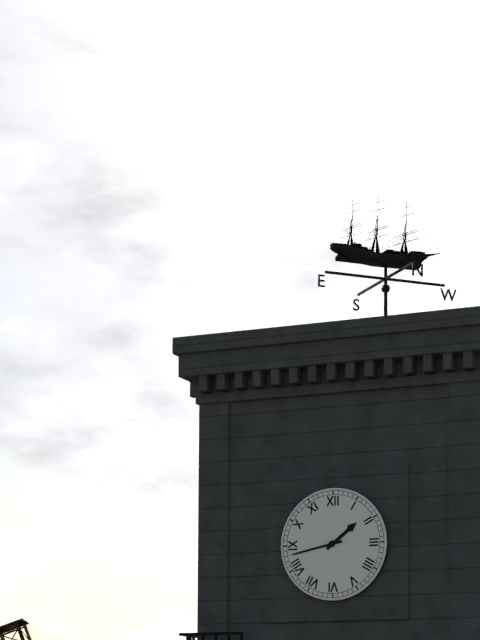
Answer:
h=1 m=43
